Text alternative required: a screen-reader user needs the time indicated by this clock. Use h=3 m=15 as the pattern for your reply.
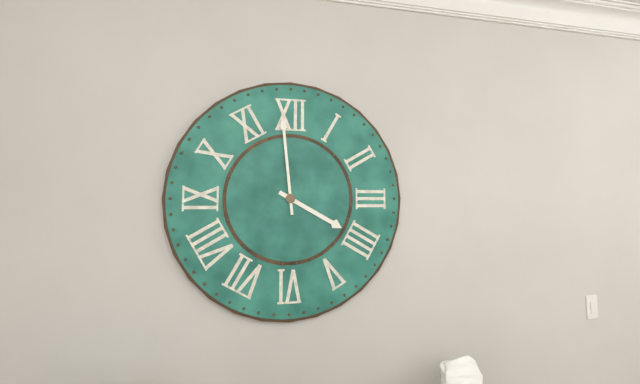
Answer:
h=3 m=59
